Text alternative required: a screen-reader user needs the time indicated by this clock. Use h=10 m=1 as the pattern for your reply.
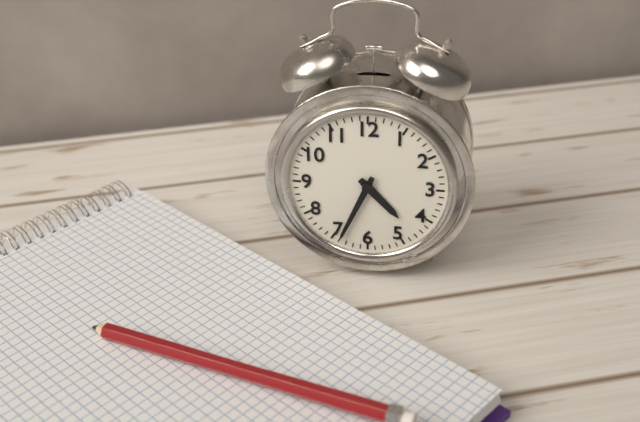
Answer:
h=4 m=34
